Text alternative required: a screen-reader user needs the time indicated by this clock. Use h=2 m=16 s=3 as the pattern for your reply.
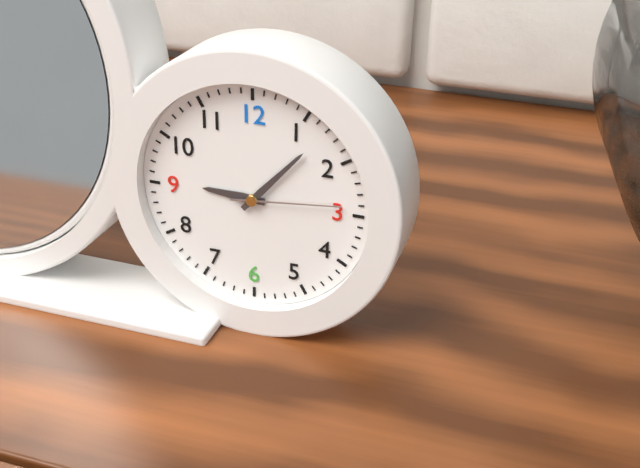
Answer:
h=9 m=7 s=14
